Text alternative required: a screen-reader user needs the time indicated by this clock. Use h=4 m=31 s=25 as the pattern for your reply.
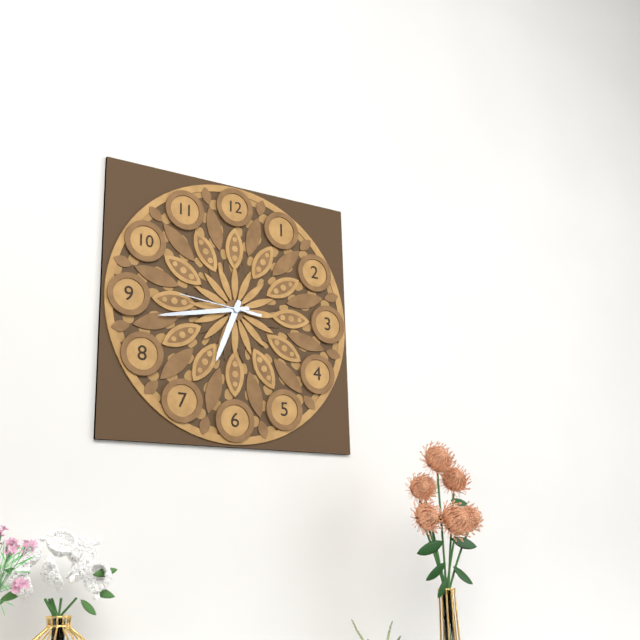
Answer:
h=6 m=43 s=46
